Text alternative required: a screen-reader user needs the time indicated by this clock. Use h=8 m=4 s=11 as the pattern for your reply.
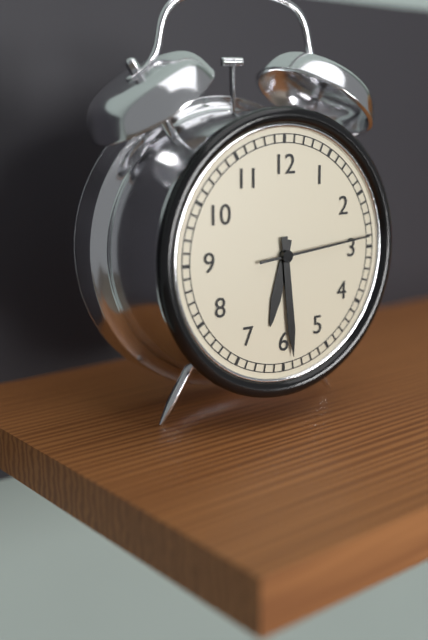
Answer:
h=6 m=29 s=14
